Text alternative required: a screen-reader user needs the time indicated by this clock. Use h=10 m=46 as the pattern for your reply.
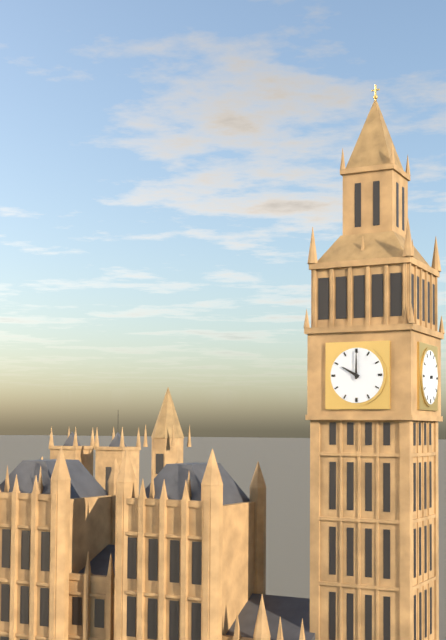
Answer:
h=10 m=0
